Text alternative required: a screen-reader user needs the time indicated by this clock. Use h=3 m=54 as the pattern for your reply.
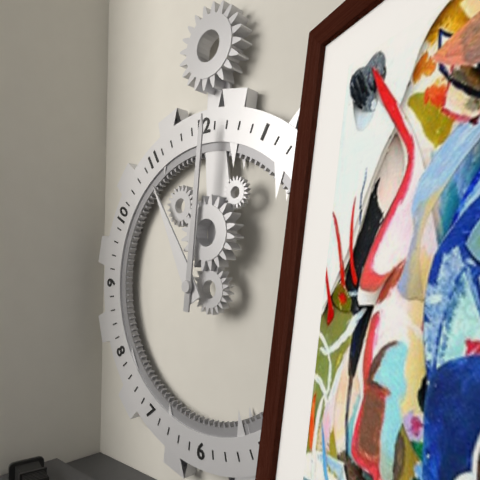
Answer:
h=11 m=1
